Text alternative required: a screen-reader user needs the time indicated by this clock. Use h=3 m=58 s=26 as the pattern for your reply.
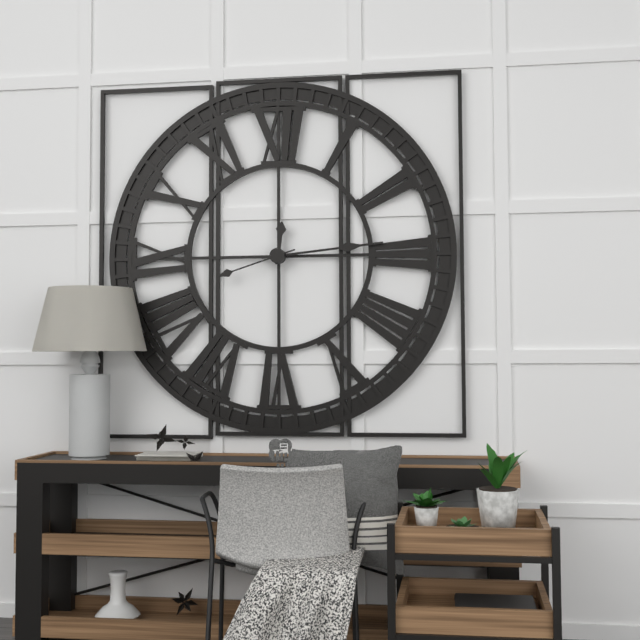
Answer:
h=12 m=14 s=42
